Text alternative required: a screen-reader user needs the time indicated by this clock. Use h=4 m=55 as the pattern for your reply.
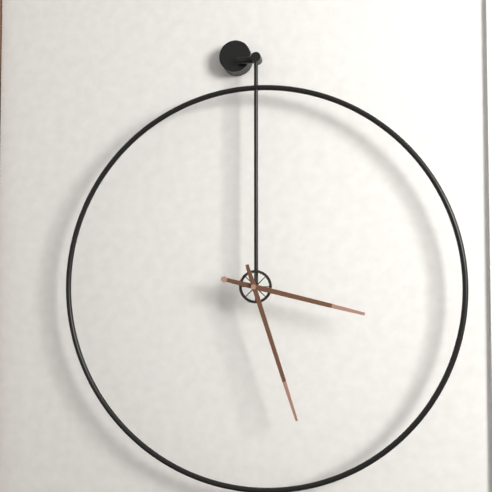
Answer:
h=3 m=27
